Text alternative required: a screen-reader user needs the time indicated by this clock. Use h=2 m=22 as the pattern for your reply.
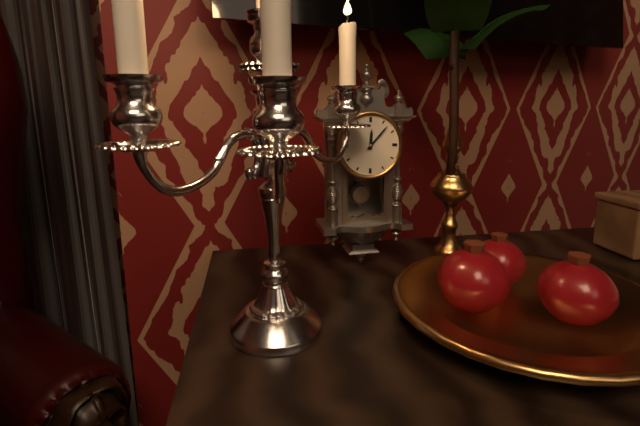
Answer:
h=12 m=7
